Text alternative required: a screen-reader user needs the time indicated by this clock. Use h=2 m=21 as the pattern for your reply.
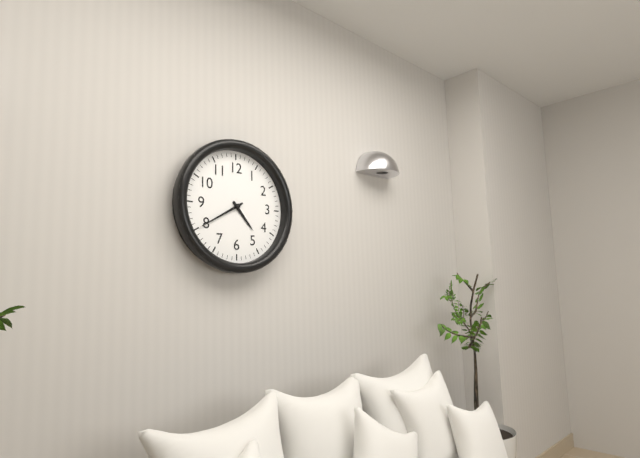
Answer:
h=4 m=40
